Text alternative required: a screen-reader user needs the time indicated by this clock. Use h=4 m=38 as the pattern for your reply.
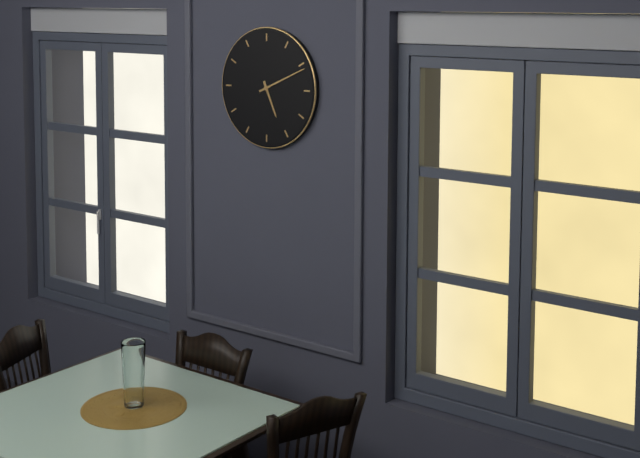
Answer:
h=5 m=11
